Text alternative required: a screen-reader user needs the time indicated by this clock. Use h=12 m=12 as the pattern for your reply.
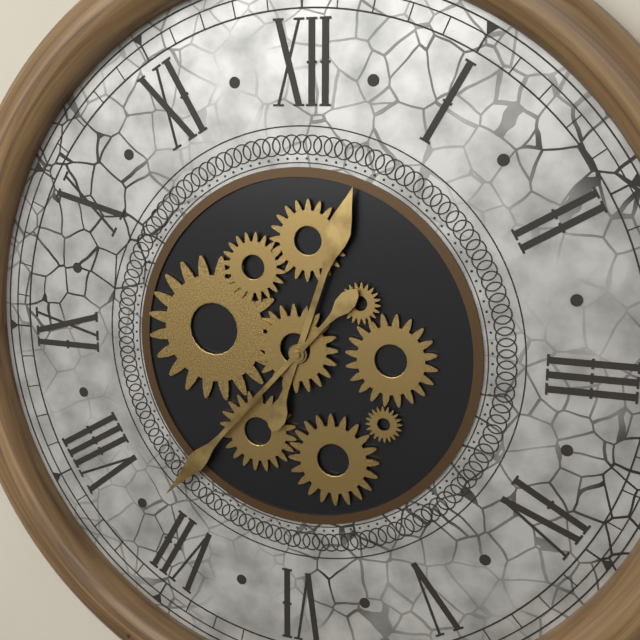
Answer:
h=12 m=37
